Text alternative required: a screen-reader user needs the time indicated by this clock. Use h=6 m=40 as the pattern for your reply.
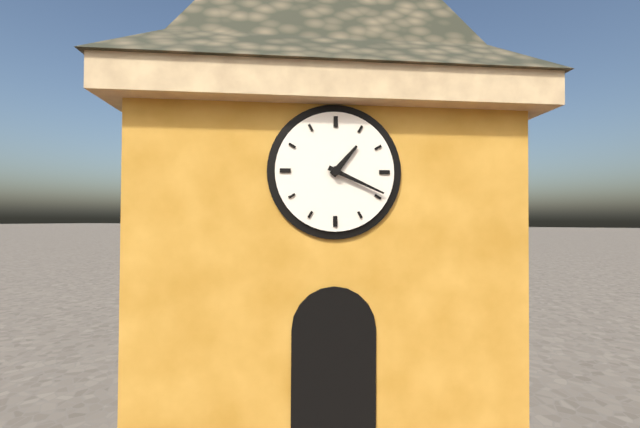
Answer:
h=1 m=19
